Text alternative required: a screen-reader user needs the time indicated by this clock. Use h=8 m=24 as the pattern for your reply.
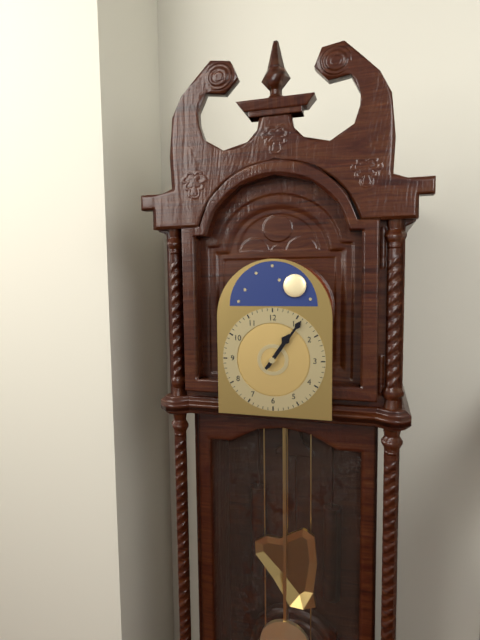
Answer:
h=1 m=6
